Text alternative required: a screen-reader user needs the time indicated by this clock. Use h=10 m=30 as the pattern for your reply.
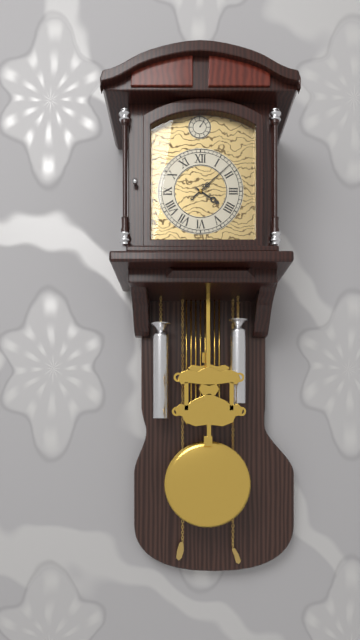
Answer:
h=4 m=8
